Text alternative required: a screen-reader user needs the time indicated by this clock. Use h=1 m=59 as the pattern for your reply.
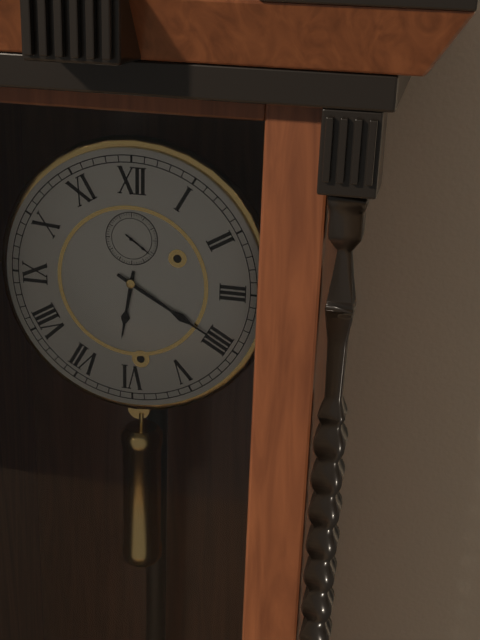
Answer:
h=6 m=20
